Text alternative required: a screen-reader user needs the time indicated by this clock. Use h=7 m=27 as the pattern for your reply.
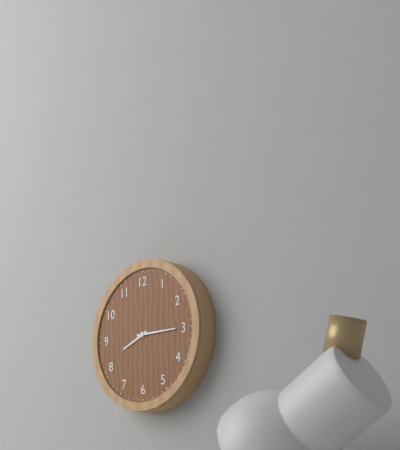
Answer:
h=8 m=15
